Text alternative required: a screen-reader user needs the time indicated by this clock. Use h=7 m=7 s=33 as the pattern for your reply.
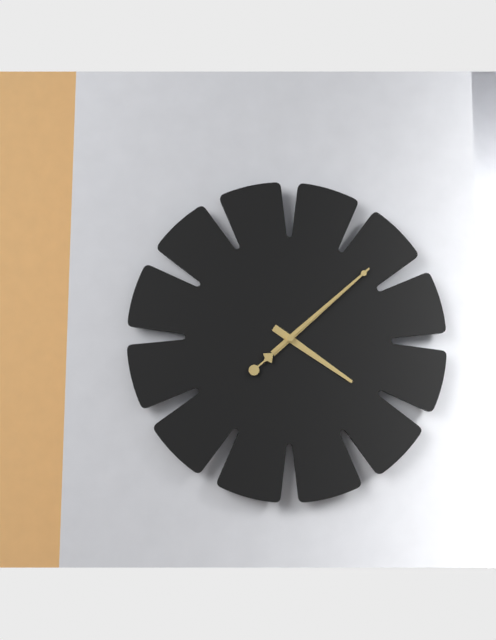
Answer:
h=4 m=8 s=8
